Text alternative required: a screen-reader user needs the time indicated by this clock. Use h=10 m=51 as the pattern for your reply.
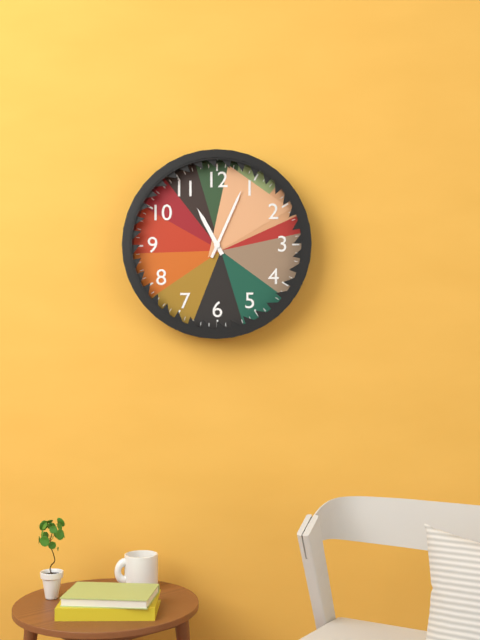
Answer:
h=11 m=4
